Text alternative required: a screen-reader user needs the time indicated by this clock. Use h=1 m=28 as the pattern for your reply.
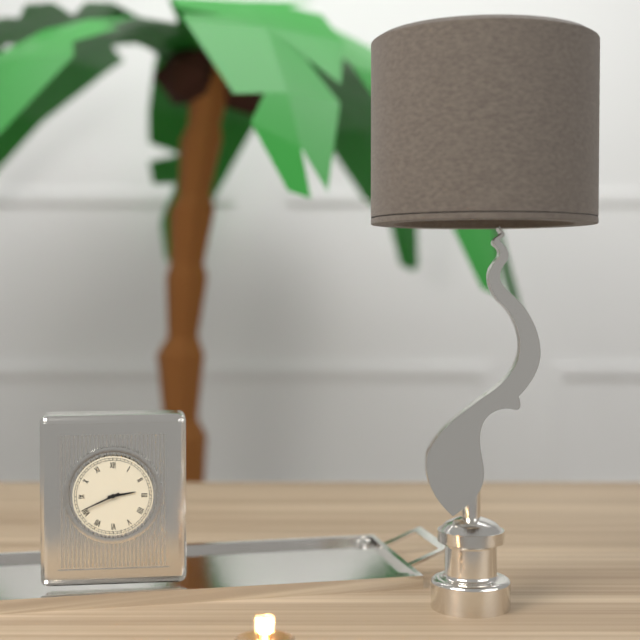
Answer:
h=2 m=41
